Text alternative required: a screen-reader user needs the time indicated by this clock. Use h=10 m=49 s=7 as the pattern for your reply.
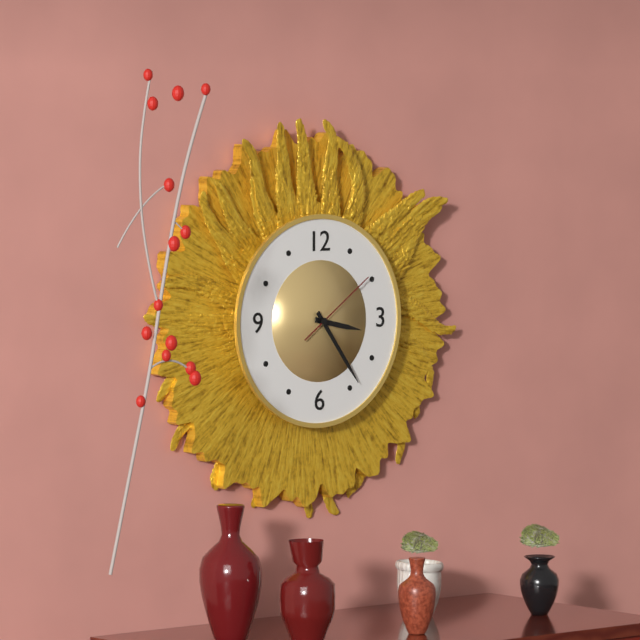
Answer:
h=3 m=24 s=9
